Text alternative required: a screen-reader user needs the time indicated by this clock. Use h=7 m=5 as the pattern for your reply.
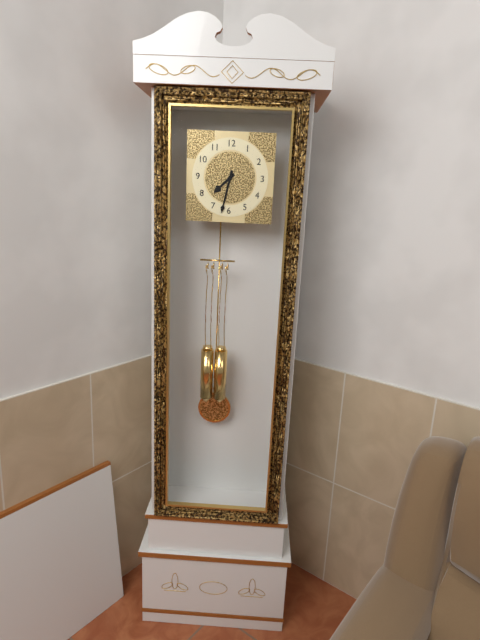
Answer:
h=7 m=32
